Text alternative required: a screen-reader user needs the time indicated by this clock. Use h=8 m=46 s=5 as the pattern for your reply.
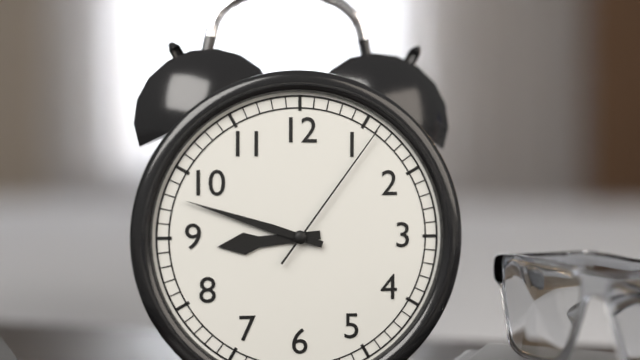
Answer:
h=8 m=48 s=6
